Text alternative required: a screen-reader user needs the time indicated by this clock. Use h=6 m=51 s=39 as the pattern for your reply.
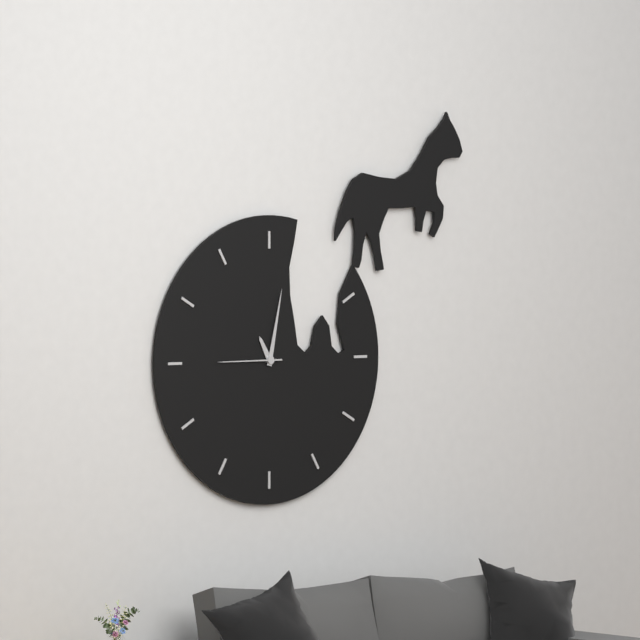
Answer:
h=11 m=2 s=45
